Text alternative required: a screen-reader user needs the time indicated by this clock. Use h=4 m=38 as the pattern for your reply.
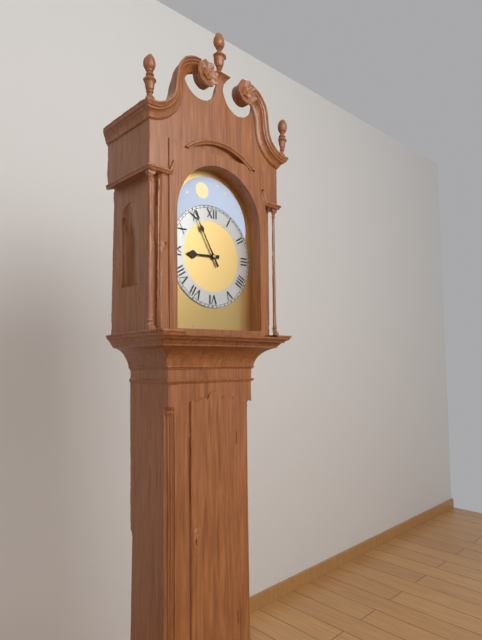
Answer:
h=8 m=55
